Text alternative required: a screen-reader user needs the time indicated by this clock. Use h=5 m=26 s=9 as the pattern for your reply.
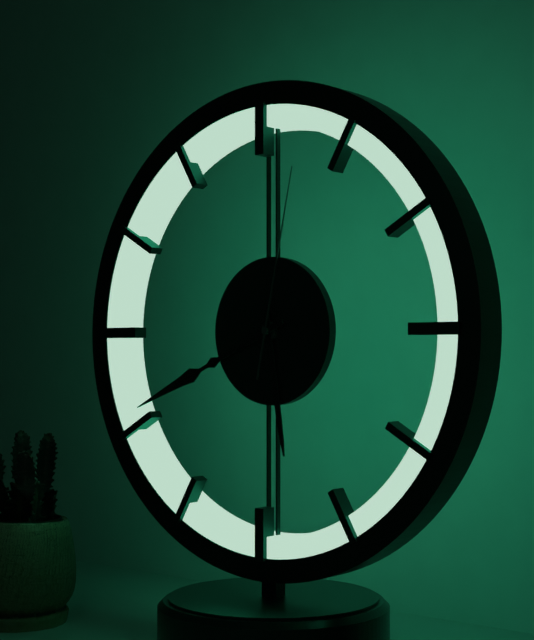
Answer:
h=5 m=41 s=2
